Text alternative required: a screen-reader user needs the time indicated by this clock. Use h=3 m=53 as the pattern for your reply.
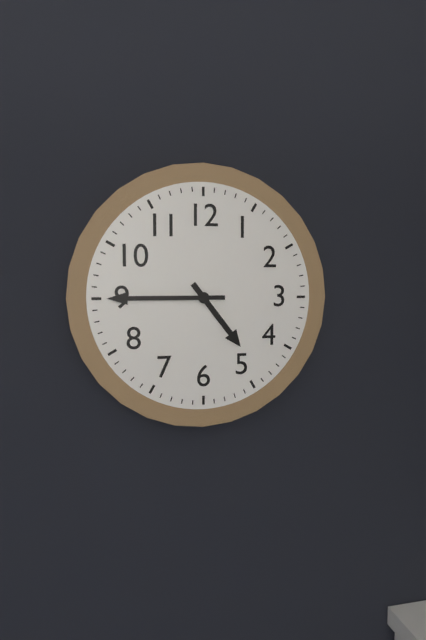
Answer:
h=4 m=45
